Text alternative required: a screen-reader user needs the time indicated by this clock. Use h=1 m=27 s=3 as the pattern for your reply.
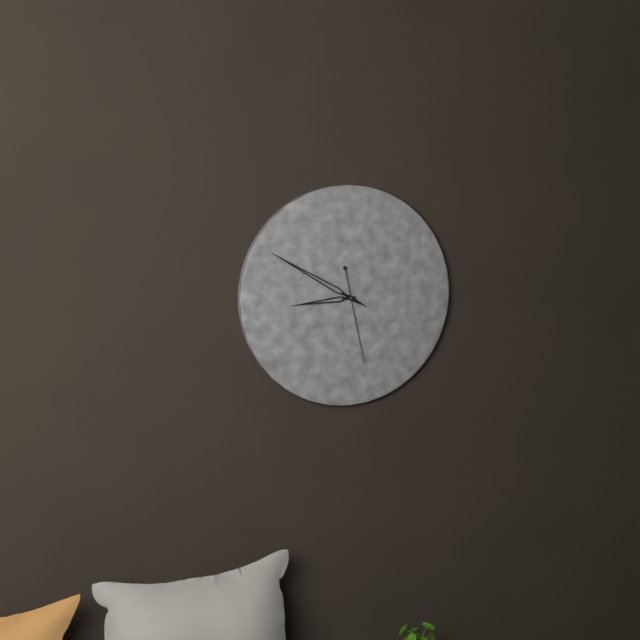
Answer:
h=8 m=50 s=28
